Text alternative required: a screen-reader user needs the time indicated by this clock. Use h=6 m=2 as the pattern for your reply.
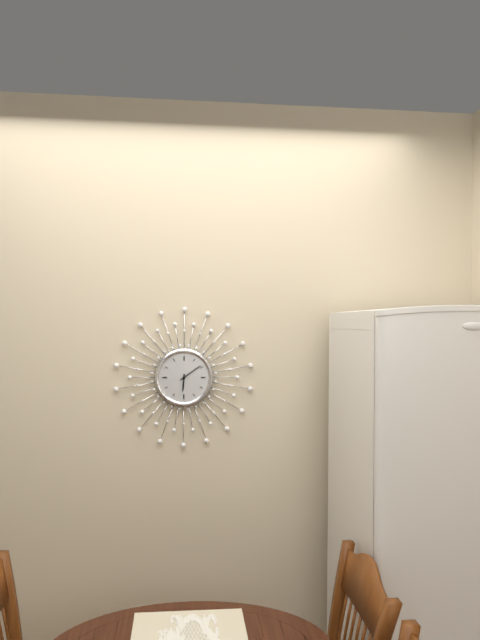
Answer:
h=6 m=9
